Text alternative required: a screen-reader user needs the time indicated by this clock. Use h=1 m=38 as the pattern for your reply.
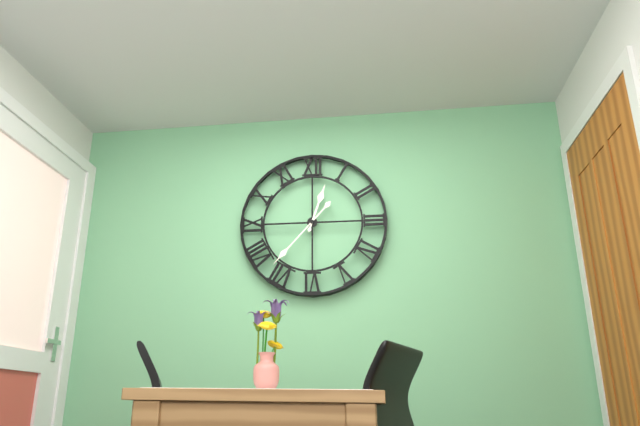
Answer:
h=12 m=37
